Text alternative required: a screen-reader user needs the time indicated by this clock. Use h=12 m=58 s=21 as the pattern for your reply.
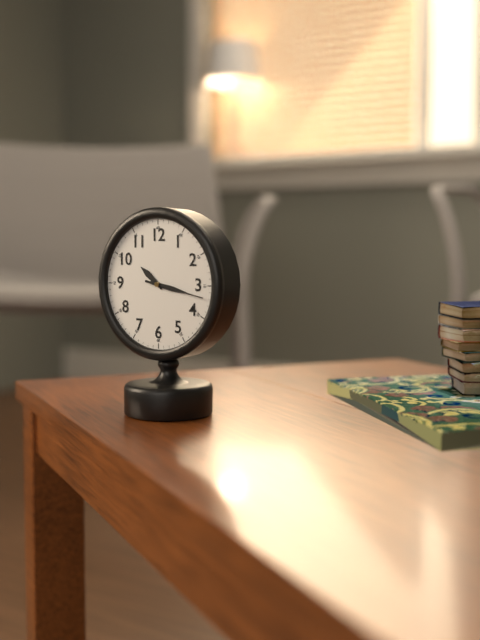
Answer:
h=10 m=17 s=17
